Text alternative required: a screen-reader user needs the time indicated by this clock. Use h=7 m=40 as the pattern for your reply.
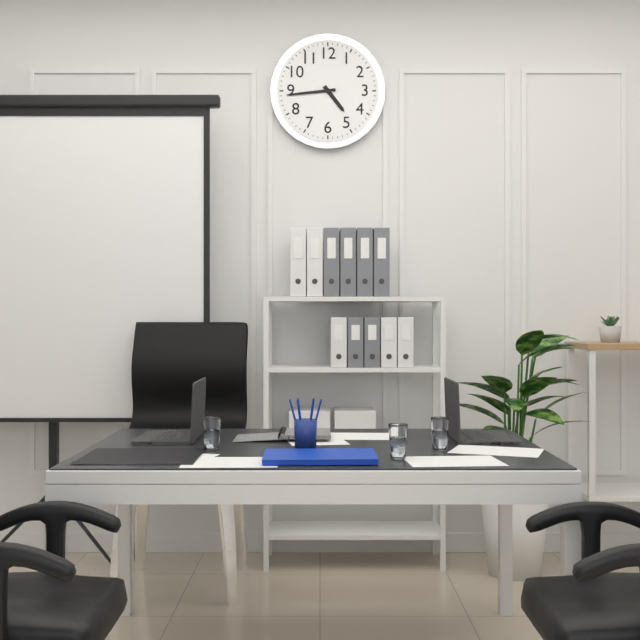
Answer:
h=4 m=44
